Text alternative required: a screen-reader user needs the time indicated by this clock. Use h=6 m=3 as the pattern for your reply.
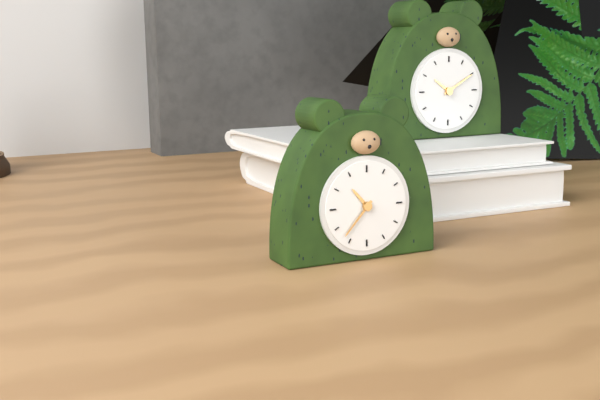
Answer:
h=10 m=37
